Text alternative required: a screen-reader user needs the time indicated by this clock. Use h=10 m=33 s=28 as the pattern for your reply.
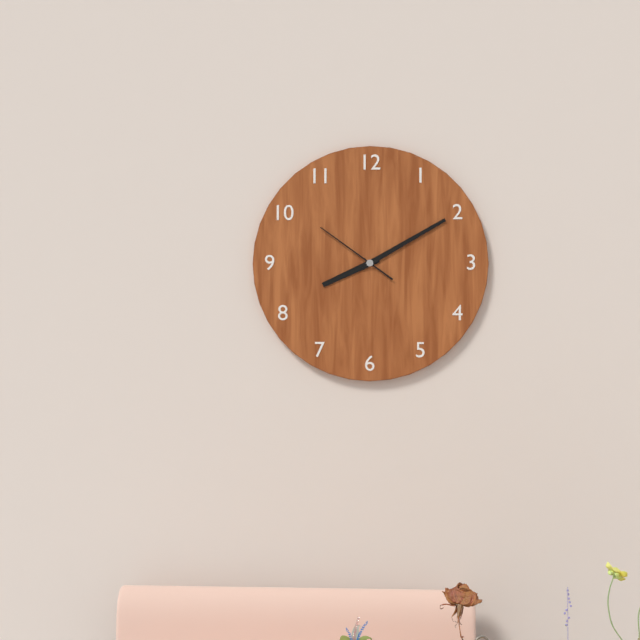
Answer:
h=8 m=10 s=51
